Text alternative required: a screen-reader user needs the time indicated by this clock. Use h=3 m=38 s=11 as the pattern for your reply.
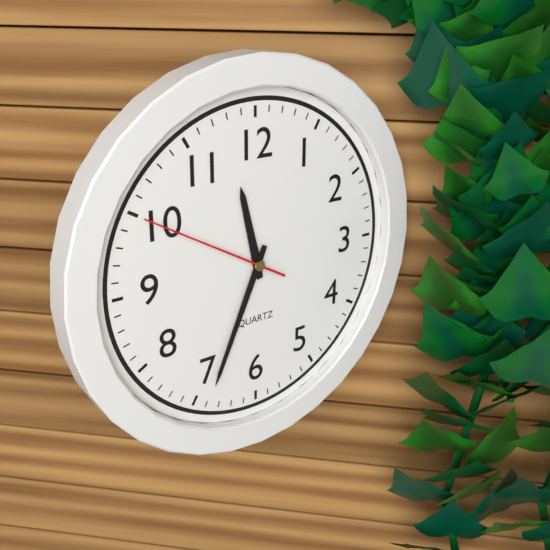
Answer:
h=11 m=34 s=50
